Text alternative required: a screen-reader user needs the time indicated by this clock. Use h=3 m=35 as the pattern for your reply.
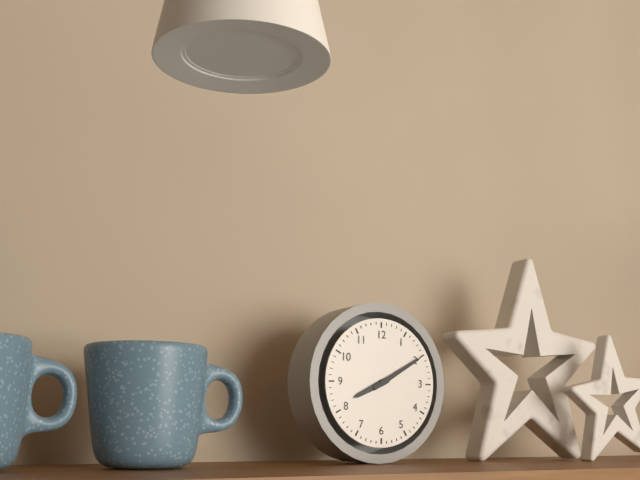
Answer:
h=8 m=10
